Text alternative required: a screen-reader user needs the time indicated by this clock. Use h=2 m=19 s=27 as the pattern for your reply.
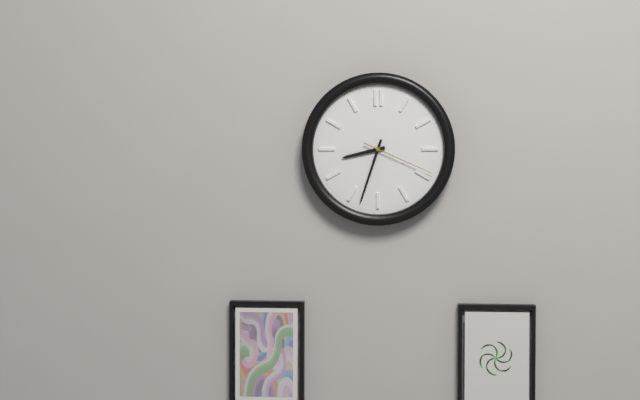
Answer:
h=8 m=33 s=19
